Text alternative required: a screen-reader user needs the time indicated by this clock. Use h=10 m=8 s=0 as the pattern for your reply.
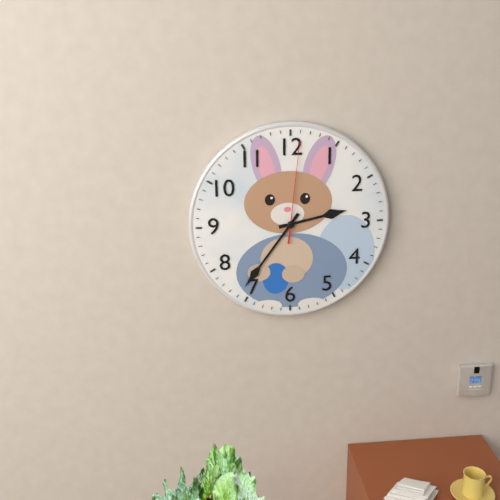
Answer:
h=2 m=36 s=1
